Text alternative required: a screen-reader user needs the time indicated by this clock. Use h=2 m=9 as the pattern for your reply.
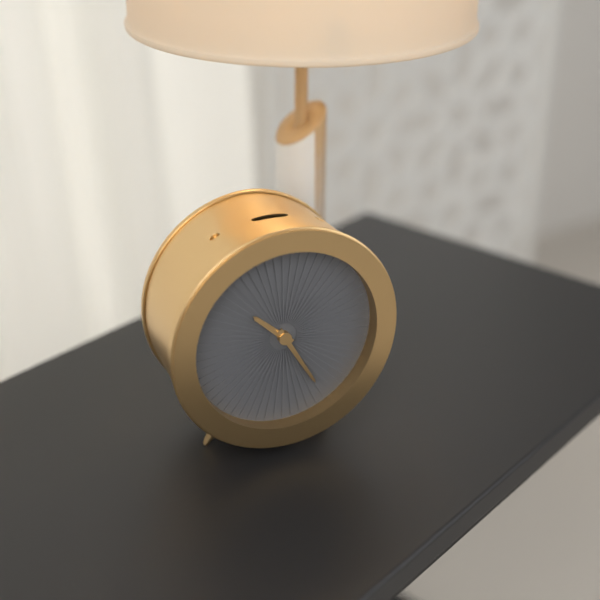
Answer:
h=10 m=25
